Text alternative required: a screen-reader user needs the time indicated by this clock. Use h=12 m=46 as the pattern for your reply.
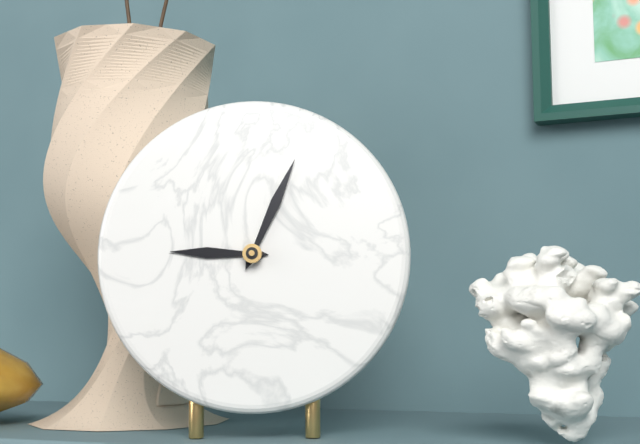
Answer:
h=9 m=4
